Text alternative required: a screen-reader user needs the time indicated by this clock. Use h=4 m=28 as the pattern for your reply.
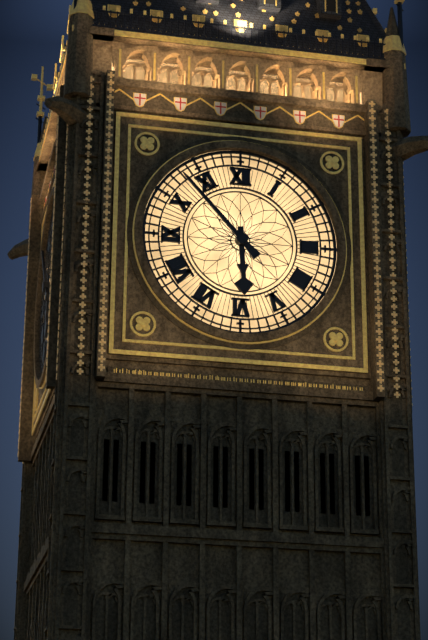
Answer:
h=5 m=53
